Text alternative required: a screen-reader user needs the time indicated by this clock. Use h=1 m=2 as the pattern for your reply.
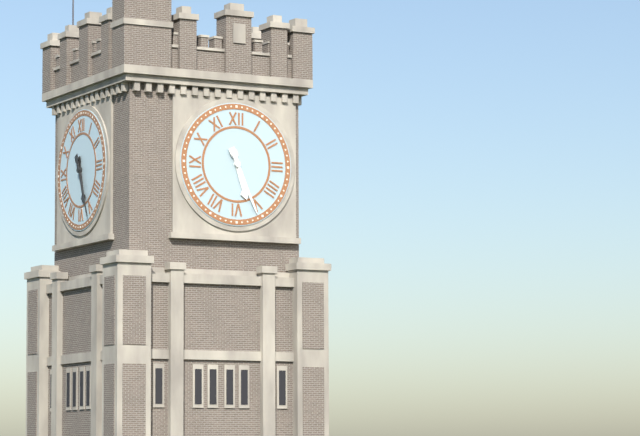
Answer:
h=5 m=26
